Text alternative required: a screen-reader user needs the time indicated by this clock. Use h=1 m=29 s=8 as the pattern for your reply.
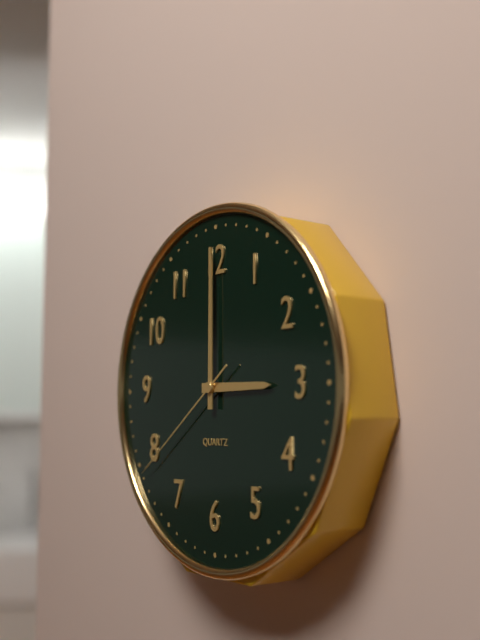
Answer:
h=3 m=0 s=39
